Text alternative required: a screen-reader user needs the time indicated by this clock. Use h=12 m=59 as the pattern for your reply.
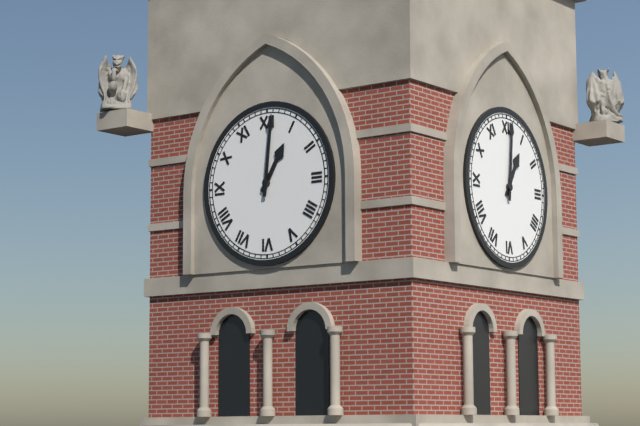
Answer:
h=1 m=1
